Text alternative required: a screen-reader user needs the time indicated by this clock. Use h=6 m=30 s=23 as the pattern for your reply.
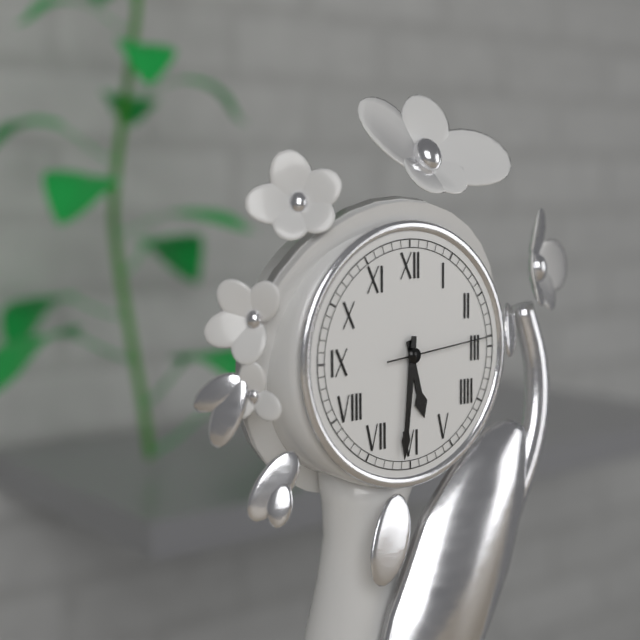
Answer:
h=5 m=31 s=14
